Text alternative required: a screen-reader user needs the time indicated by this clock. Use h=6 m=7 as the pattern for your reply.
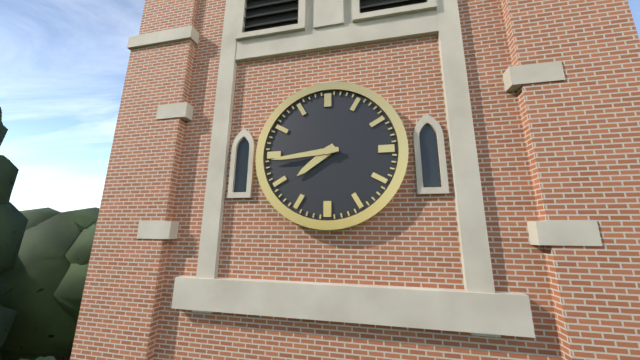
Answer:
h=7 m=44
